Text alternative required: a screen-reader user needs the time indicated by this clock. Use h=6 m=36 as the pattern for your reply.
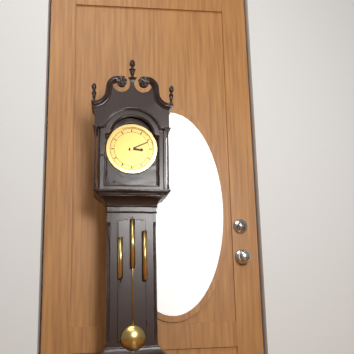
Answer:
h=3 m=11
